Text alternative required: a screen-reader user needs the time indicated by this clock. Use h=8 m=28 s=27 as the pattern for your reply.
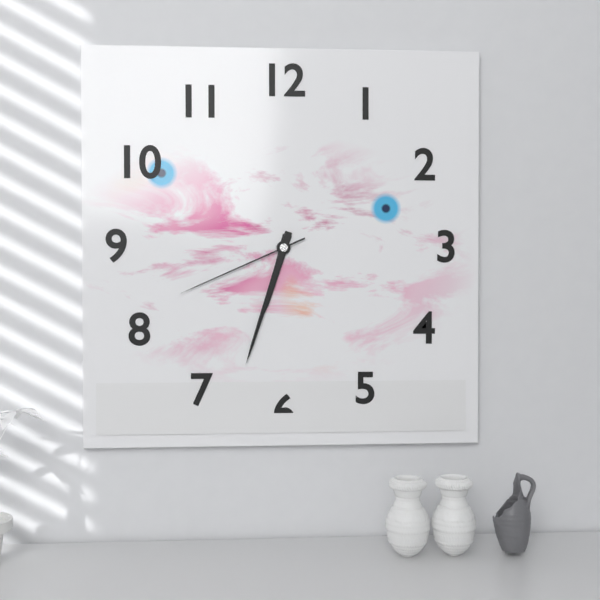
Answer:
h=6 m=33 s=41
